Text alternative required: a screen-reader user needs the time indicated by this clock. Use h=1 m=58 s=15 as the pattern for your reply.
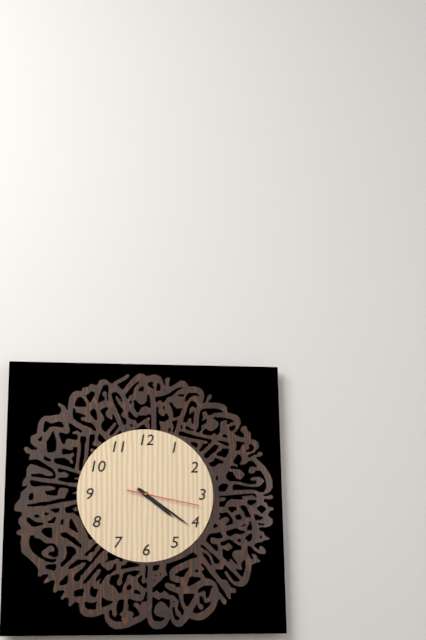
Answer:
h=4 m=21 s=17
